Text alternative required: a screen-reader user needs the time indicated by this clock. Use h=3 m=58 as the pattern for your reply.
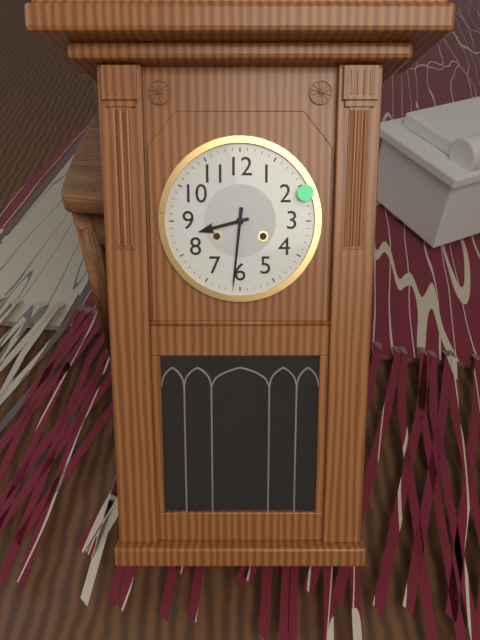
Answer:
h=8 m=31
